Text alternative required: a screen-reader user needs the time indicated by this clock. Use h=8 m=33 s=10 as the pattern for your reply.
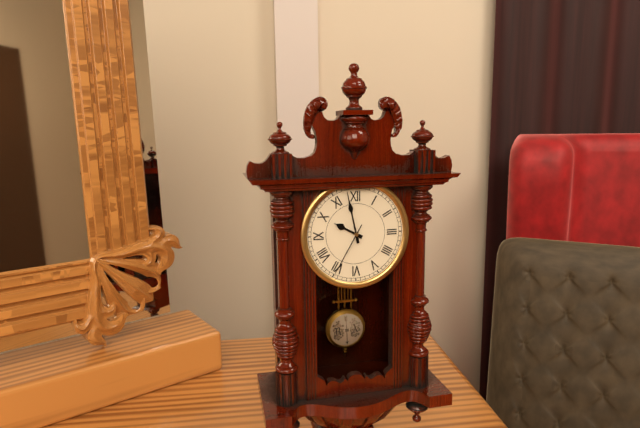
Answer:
h=9 m=58 s=35
